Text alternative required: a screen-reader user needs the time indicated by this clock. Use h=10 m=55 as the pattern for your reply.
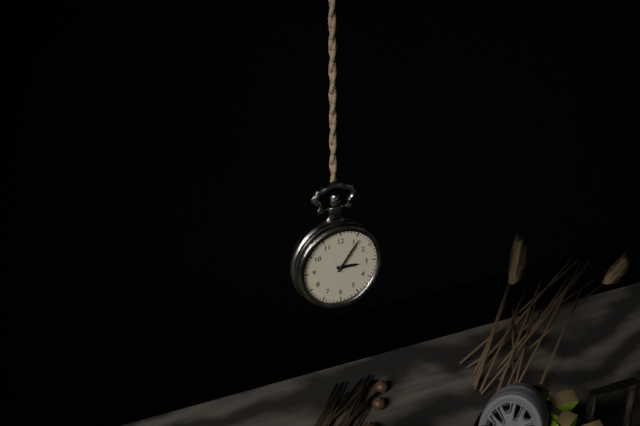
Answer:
h=3 m=6
